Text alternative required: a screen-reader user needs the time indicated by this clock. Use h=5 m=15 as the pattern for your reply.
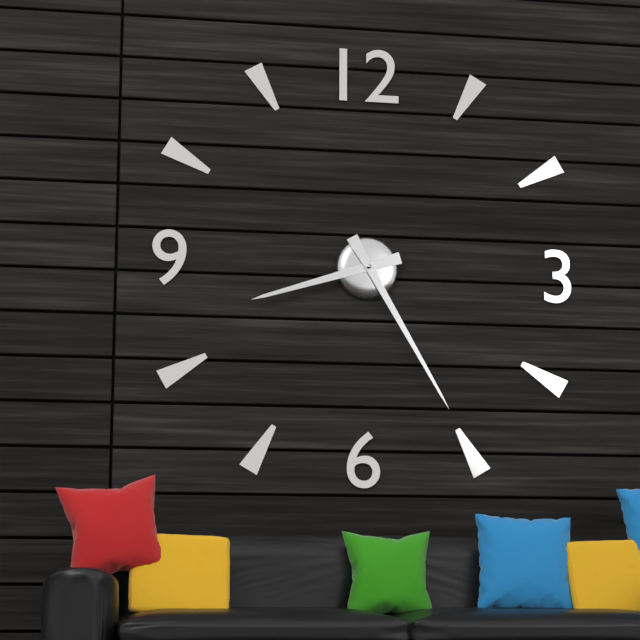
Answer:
h=8 m=25
